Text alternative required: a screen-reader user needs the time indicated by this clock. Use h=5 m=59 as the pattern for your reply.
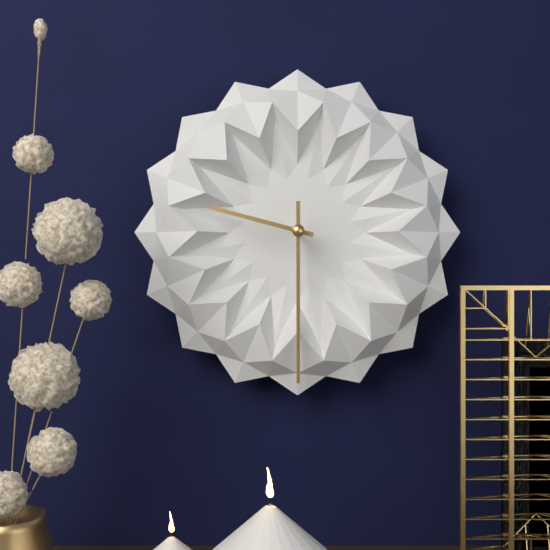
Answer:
h=9 m=30
